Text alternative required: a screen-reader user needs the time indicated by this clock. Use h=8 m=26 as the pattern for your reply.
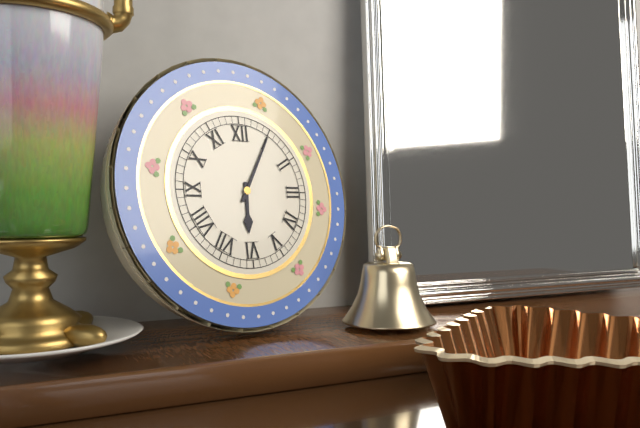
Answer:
h=6 m=5
